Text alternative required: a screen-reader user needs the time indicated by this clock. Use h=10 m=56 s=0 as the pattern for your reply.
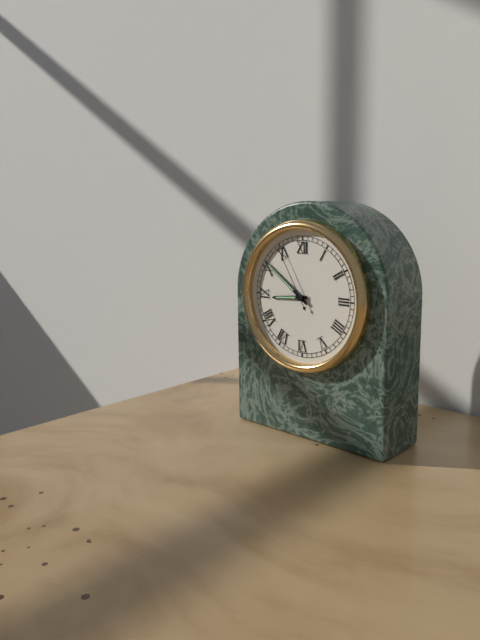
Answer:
h=8 m=51 s=55
